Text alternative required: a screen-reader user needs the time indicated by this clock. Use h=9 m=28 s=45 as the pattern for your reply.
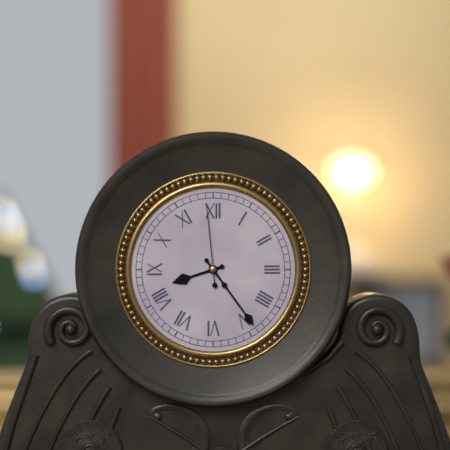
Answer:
h=8 m=24 s=59
